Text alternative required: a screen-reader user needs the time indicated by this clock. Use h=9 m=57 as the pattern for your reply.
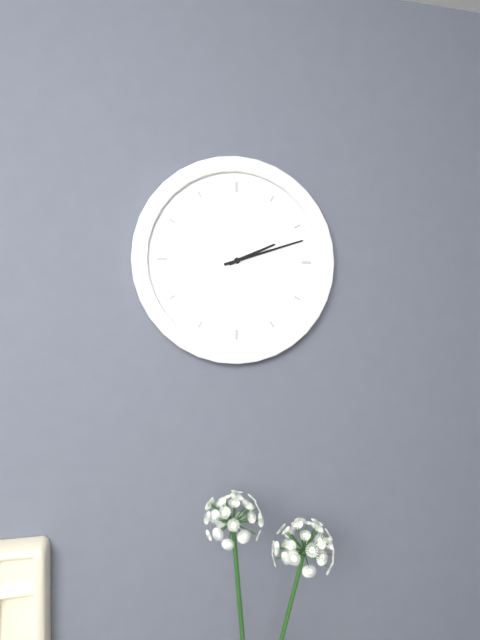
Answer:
h=2 m=12
